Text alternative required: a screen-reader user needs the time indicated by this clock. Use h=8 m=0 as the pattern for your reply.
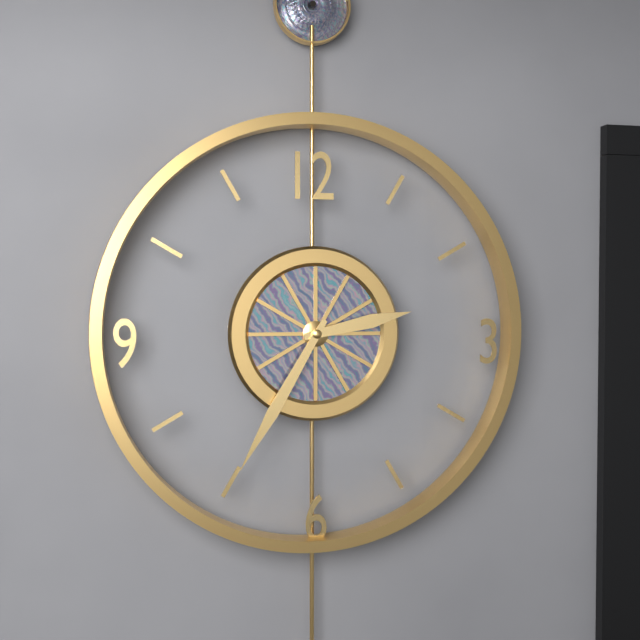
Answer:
h=2 m=35
